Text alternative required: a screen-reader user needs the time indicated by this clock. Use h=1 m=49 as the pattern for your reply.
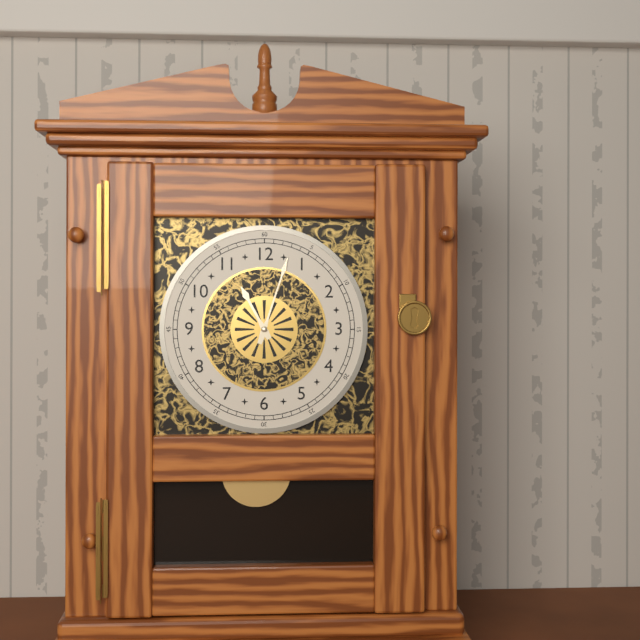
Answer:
h=11 m=3
